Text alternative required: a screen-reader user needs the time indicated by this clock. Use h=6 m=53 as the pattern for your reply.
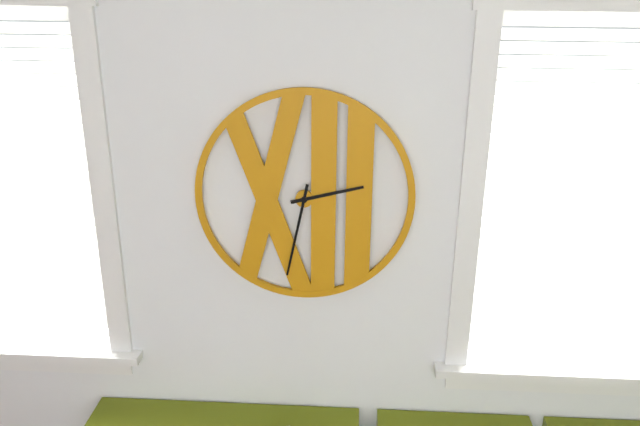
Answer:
h=2 m=32
